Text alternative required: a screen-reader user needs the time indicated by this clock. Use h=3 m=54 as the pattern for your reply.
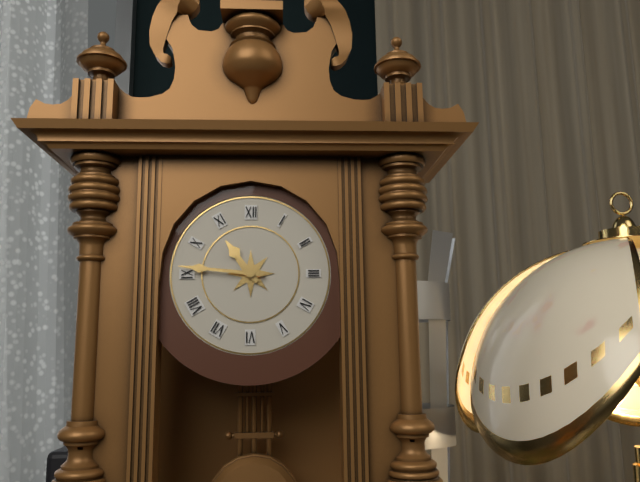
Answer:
h=10 m=46
